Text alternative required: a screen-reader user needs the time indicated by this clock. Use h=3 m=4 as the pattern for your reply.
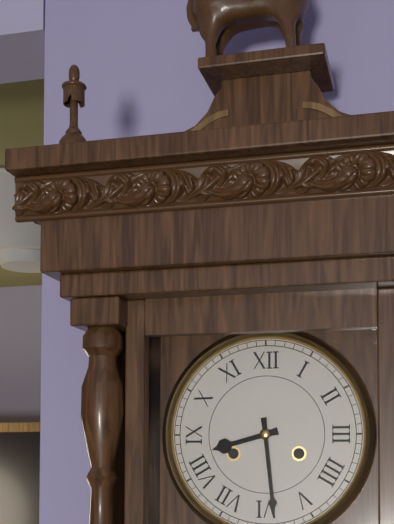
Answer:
h=8 m=29
